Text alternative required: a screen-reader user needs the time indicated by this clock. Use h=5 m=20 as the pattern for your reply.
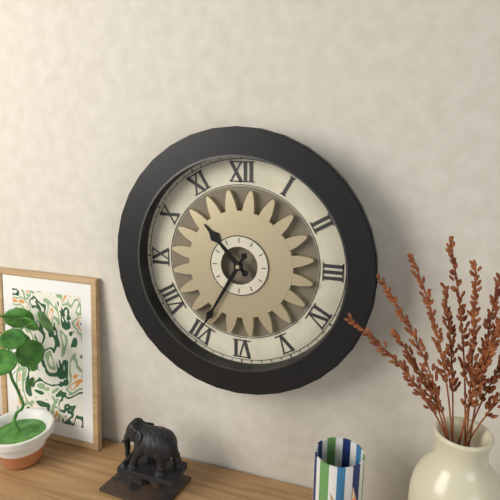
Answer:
h=10 m=35
